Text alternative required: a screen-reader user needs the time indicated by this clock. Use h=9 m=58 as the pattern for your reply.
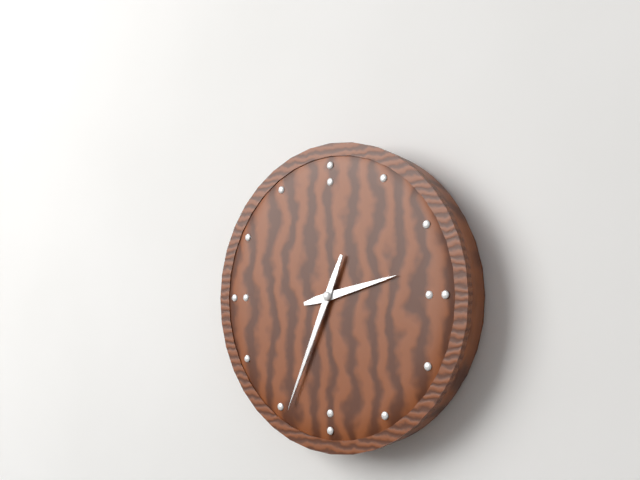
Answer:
h=2 m=34
